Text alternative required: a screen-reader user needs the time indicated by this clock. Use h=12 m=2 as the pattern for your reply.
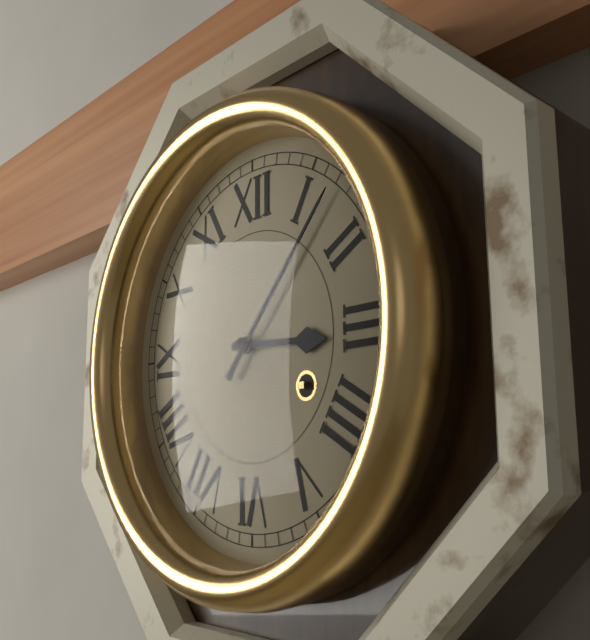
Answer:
h=3 m=7
